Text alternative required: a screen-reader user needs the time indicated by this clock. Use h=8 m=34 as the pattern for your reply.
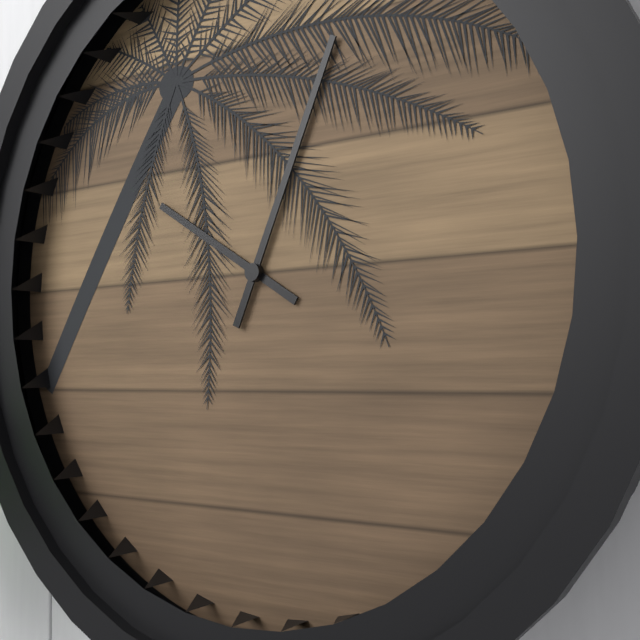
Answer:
h=10 m=4
